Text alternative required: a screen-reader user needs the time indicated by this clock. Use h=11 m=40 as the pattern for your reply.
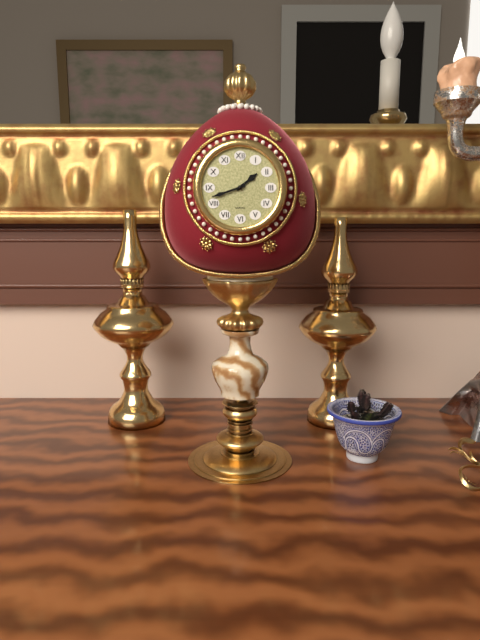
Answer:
h=1 m=42
